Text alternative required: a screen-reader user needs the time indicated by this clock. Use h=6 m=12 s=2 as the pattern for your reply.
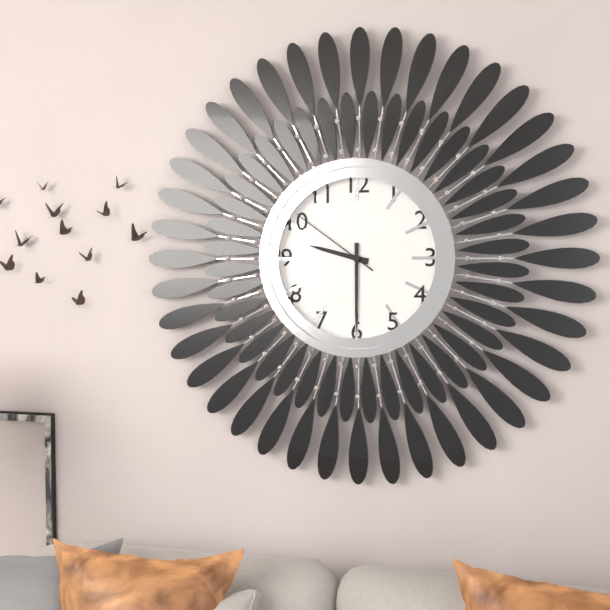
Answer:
h=9 m=30 s=51
